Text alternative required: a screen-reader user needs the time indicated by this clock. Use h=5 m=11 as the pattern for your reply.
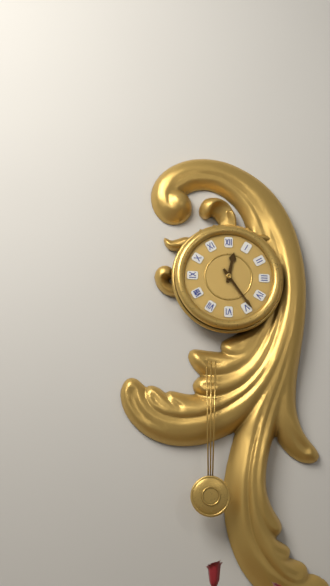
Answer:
h=12 m=24
